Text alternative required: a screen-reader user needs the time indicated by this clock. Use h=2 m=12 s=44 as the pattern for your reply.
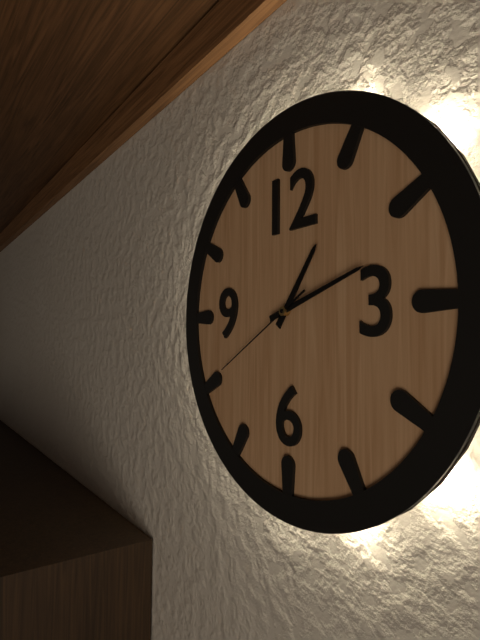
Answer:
h=1 m=12 s=40
